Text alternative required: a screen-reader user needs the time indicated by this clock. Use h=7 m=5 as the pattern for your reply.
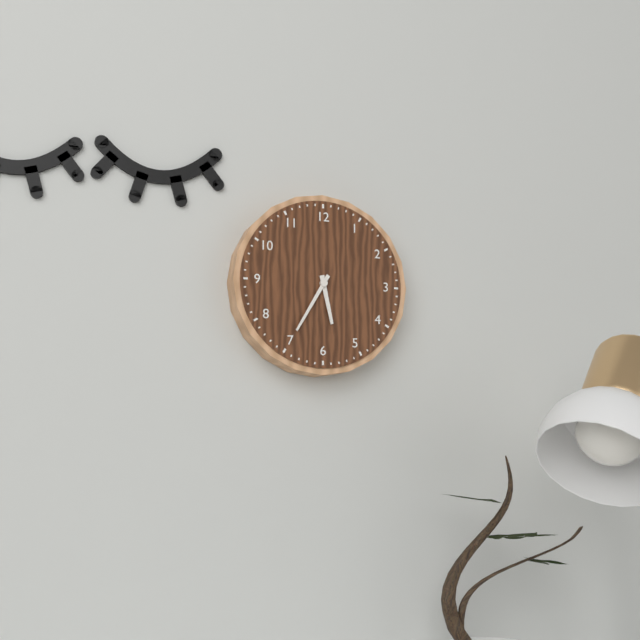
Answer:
h=5 m=35
